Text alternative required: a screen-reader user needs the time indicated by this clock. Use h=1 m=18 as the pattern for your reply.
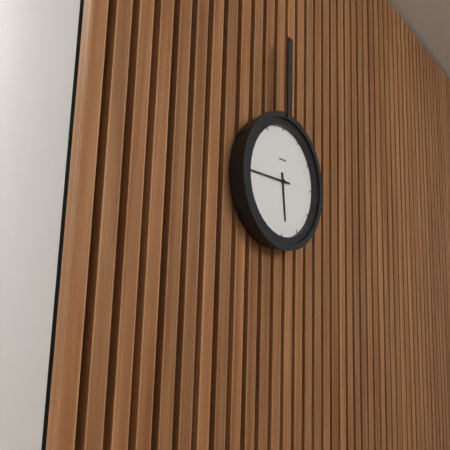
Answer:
h=5 m=45
